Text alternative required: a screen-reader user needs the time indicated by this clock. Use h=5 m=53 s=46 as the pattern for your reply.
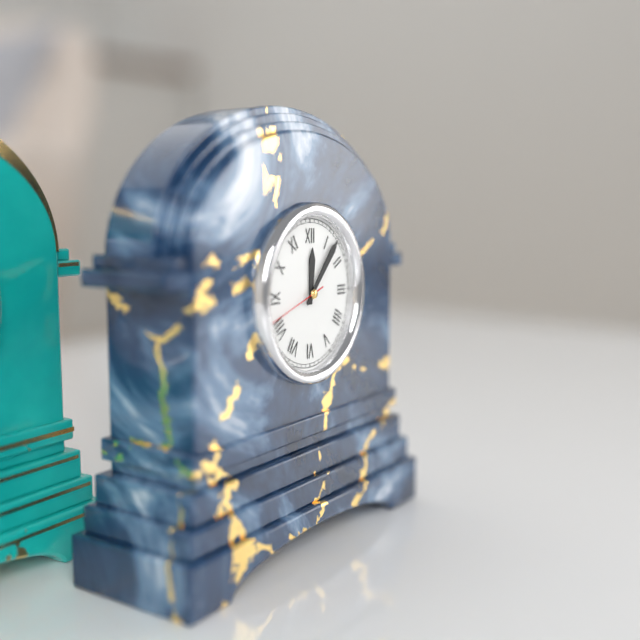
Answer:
h=12 m=7 s=42
